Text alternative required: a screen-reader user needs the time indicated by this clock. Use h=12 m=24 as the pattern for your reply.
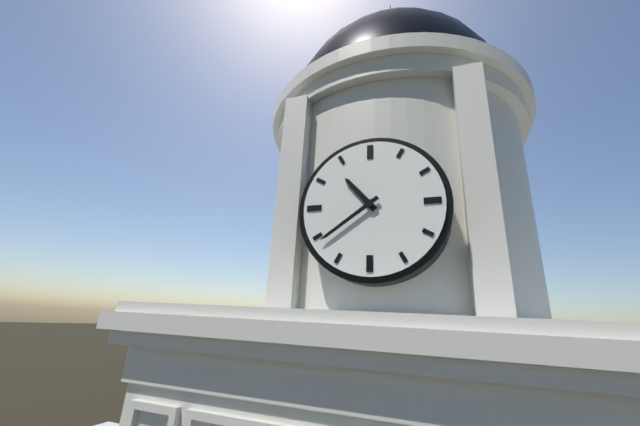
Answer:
h=10 m=39
